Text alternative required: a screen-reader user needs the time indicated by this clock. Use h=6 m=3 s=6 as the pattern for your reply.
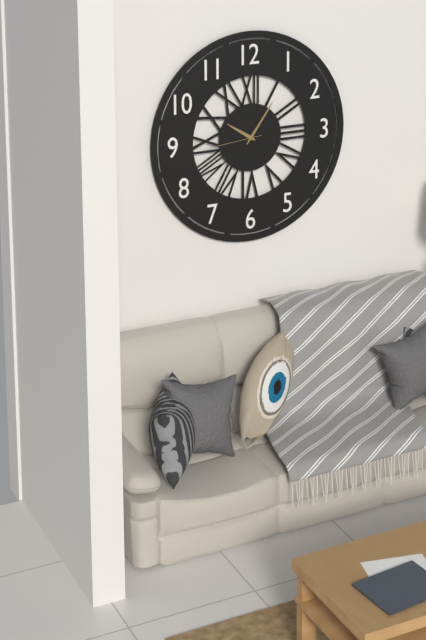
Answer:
h=10 m=6 s=44
